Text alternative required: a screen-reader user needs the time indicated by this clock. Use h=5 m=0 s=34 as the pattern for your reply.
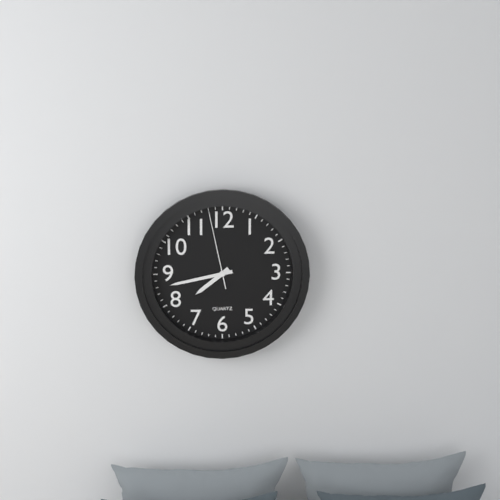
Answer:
h=7 m=43 s=58
